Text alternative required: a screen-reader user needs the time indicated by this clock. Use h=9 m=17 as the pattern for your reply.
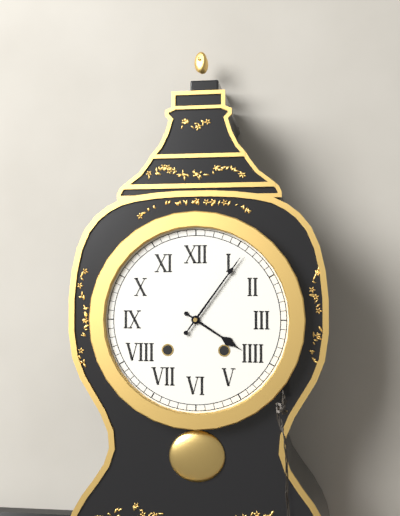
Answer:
h=4 m=6
